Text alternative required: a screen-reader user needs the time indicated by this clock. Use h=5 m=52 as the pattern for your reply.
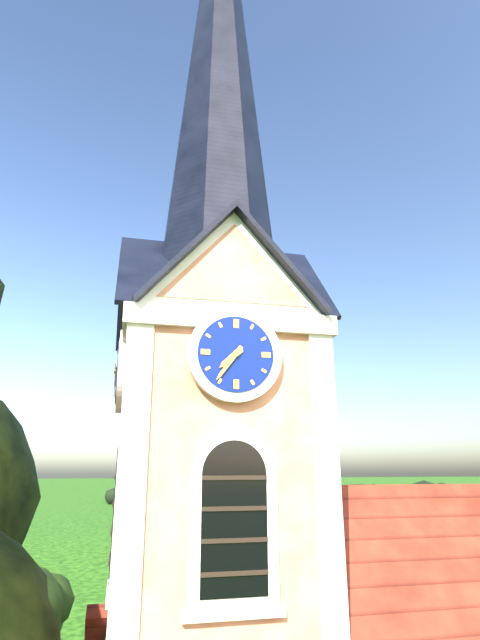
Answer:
h=7 m=36
